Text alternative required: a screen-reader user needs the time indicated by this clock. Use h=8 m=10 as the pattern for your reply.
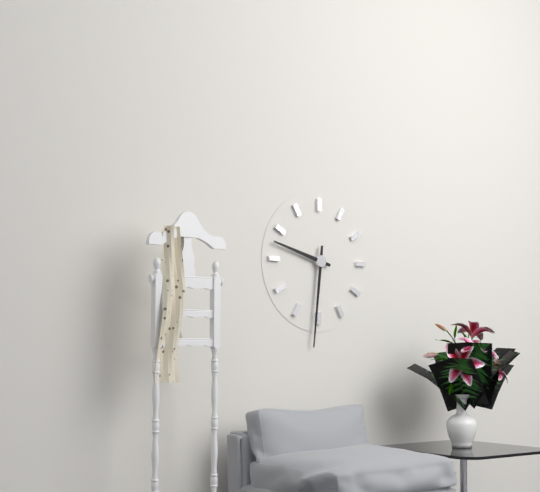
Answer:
h=9 m=31
